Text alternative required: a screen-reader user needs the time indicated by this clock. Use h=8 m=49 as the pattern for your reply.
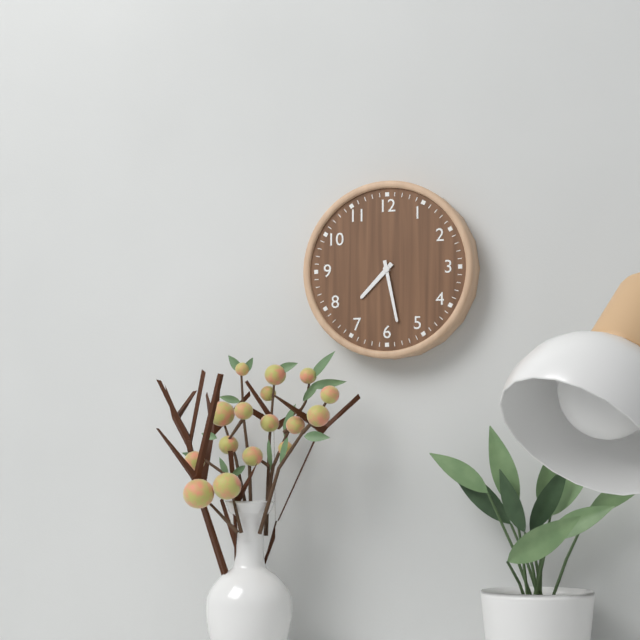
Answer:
h=7 m=28
